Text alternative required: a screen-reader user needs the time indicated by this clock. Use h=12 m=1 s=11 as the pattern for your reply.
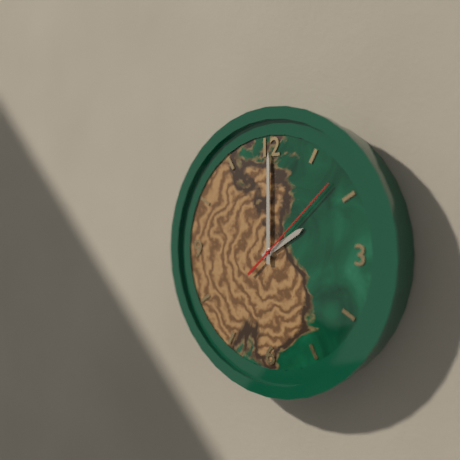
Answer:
h=2 m=0 s=8
